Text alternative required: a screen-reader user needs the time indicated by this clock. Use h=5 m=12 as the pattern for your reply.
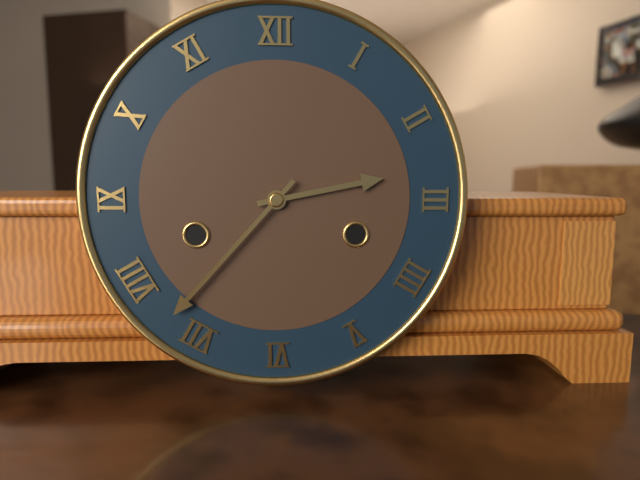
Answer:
h=2 m=37
